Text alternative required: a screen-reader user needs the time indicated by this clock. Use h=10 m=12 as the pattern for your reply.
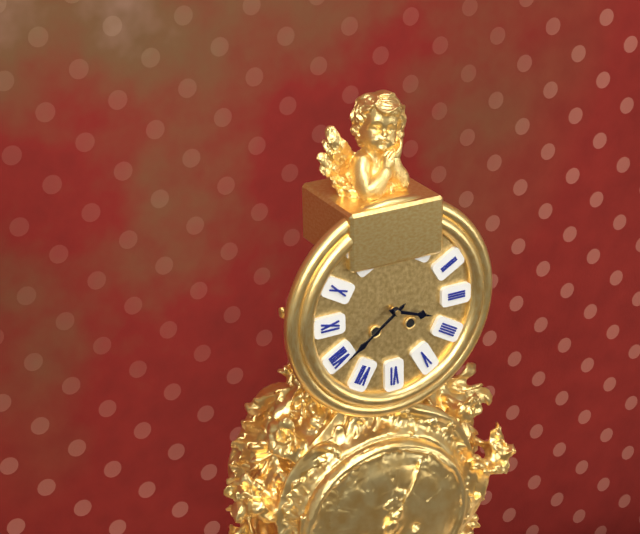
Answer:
h=3 m=39
